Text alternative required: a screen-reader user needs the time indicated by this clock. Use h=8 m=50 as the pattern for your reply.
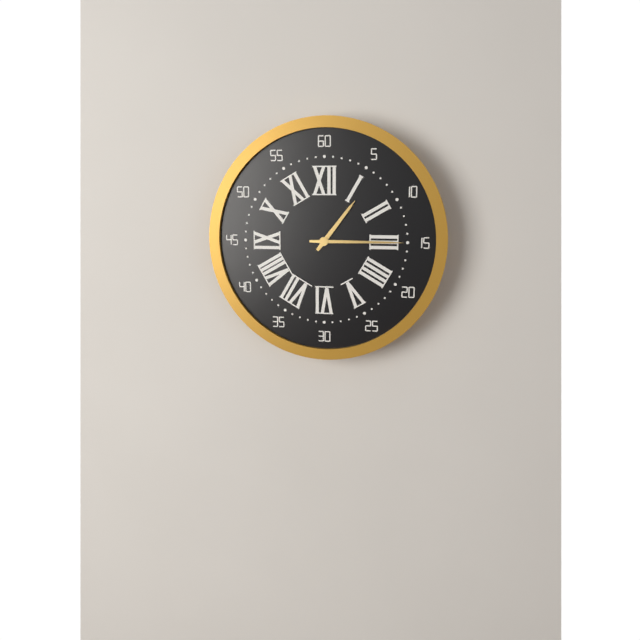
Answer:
h=1 m=15
